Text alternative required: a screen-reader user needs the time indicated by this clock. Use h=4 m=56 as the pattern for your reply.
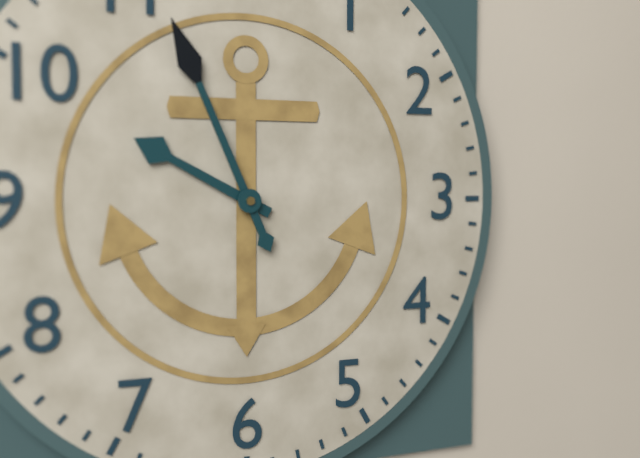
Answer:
h=9 m=56
